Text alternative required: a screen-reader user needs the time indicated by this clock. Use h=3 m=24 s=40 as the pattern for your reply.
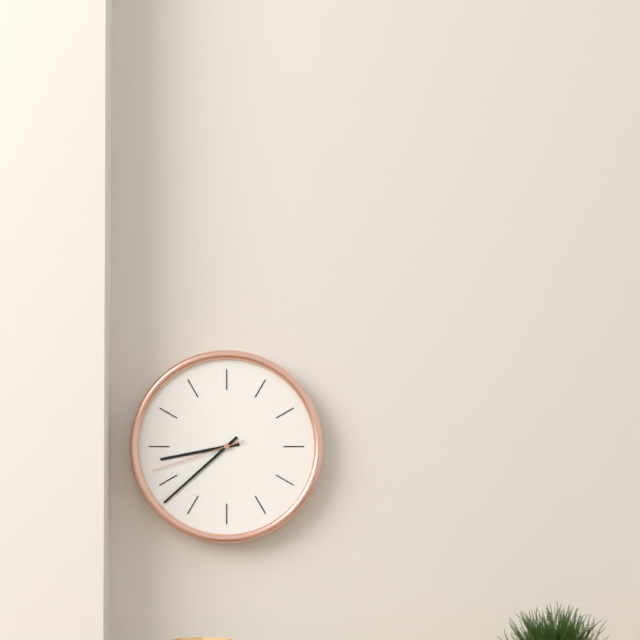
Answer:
h=8 m=38 s=42
